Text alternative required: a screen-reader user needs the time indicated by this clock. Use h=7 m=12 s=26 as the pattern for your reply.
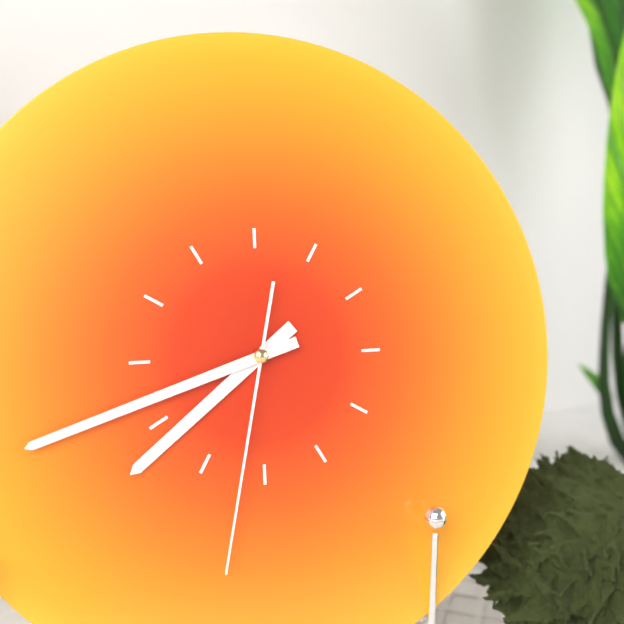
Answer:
h=7 m=42 s=32
